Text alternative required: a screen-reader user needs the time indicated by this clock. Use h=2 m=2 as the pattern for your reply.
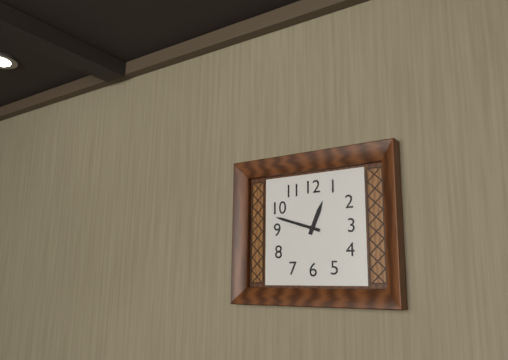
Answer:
h=12 m=48
